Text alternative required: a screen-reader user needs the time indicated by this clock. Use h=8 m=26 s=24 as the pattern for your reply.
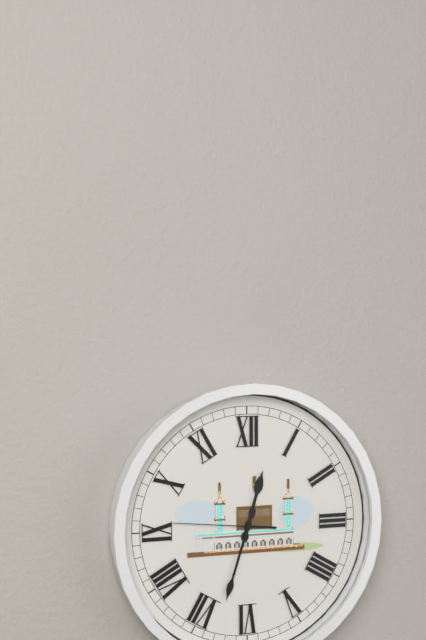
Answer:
h=12 m=33 s=46
